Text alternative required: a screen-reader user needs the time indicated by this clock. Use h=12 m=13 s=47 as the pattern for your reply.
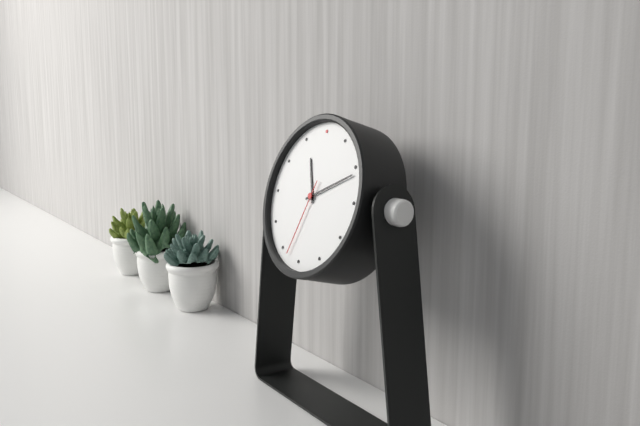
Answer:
h=11 m=11 s=33
